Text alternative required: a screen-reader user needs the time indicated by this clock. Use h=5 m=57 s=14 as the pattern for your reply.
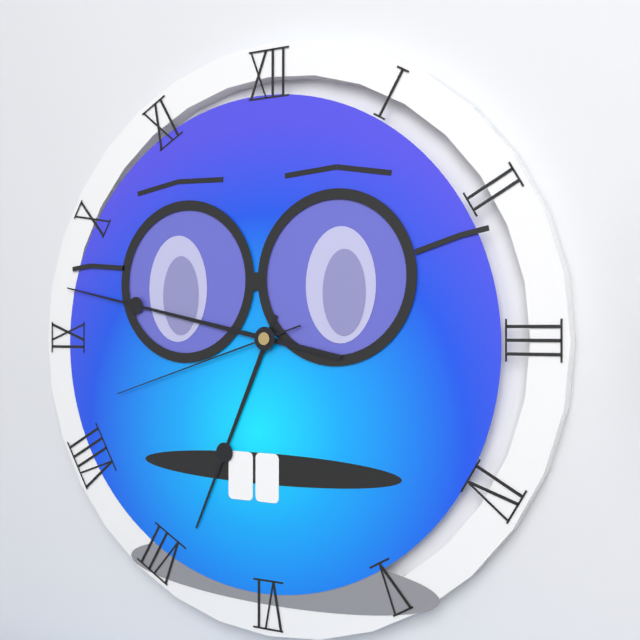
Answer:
h=6 m=47 s=42
